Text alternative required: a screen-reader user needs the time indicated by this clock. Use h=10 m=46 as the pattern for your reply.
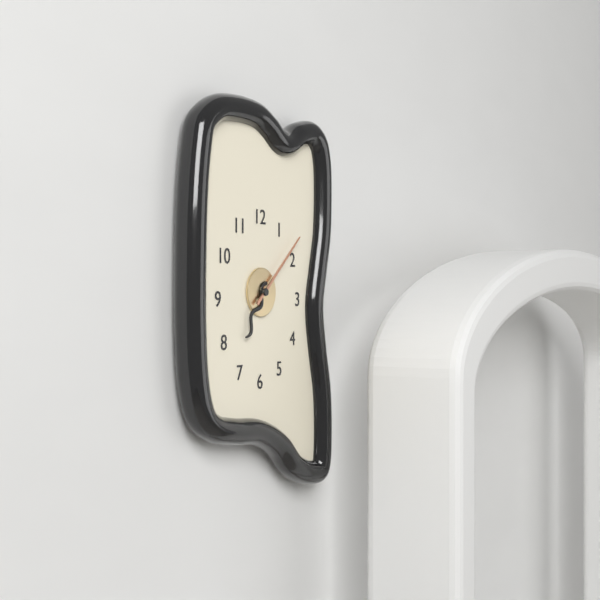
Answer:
h=7 m=8
